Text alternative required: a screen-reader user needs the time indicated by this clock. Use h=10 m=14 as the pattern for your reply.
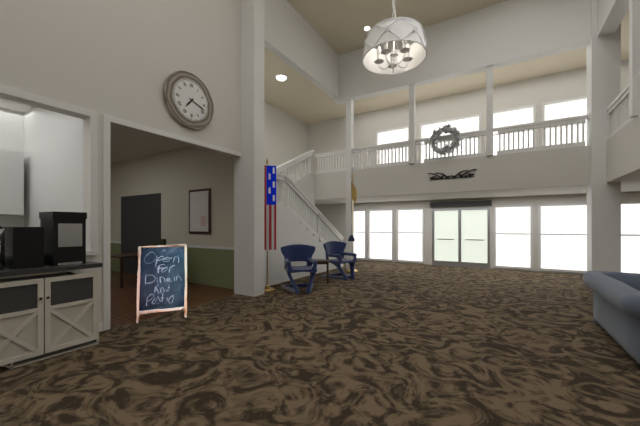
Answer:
h=7 m=18
